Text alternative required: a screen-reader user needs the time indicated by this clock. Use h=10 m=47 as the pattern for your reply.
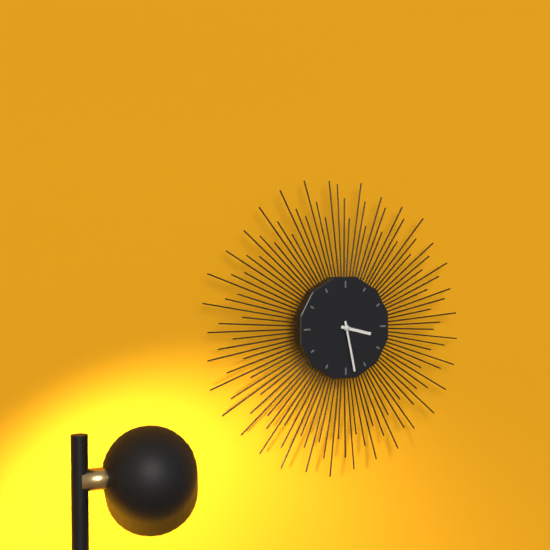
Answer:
h=3 m=28
